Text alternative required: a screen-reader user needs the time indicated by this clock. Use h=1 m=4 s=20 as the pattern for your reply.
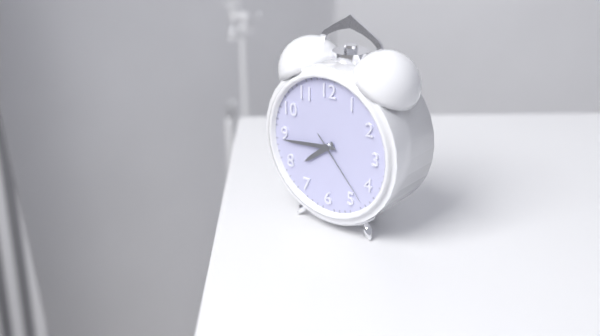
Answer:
h=7 m=44 s=23
